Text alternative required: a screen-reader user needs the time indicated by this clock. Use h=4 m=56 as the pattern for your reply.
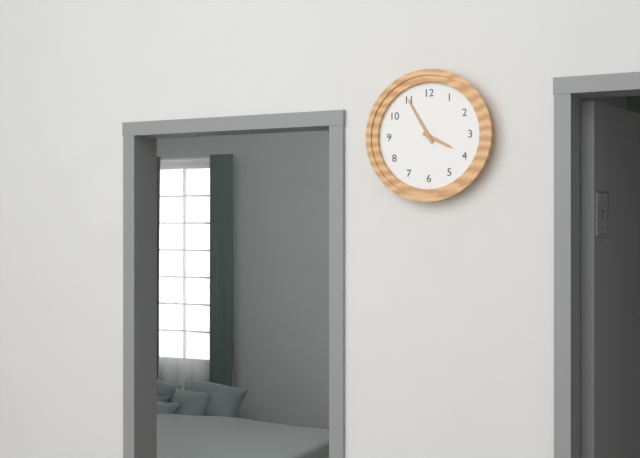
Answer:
h=3 m=55
